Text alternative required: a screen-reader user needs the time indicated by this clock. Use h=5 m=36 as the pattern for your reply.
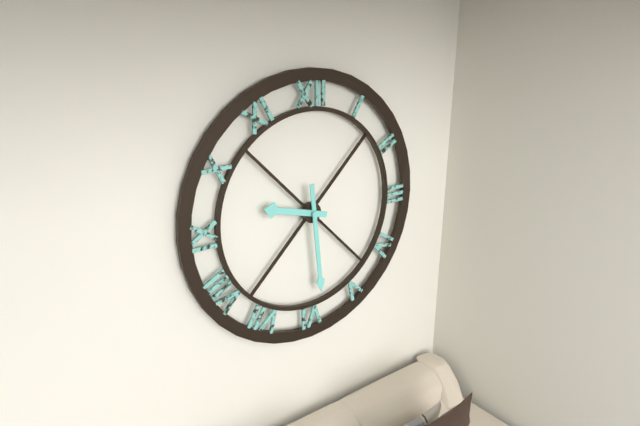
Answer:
h=9 m=29
